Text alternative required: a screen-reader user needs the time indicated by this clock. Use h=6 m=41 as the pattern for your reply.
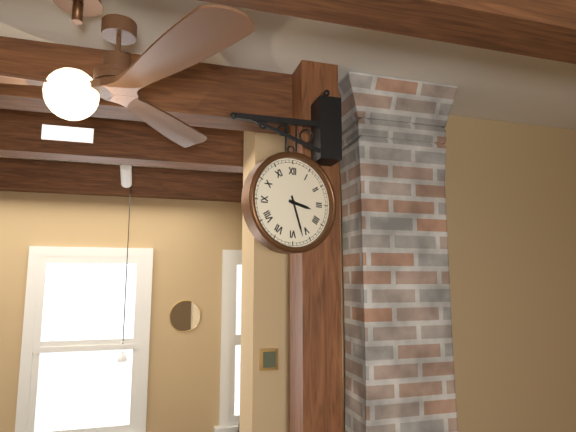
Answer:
h=3 m=27
